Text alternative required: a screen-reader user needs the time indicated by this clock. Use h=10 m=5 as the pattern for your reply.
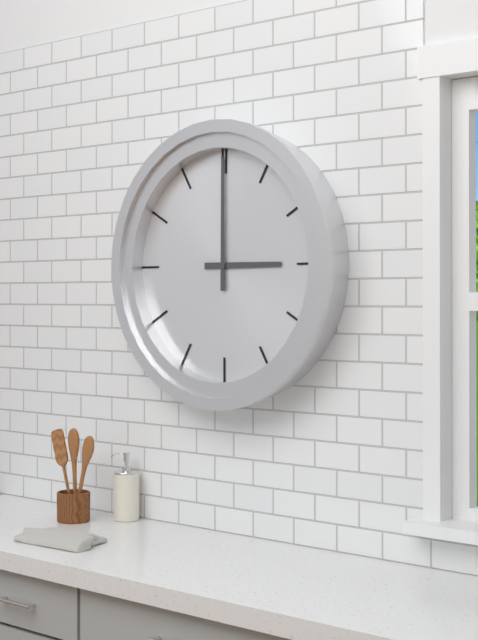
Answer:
h=3 m=0
